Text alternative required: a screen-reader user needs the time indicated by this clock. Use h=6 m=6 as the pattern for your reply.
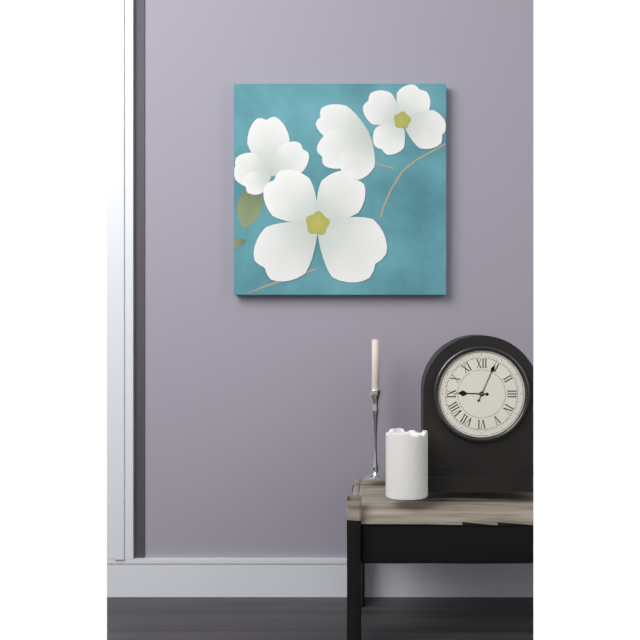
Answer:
h=9 m=4
